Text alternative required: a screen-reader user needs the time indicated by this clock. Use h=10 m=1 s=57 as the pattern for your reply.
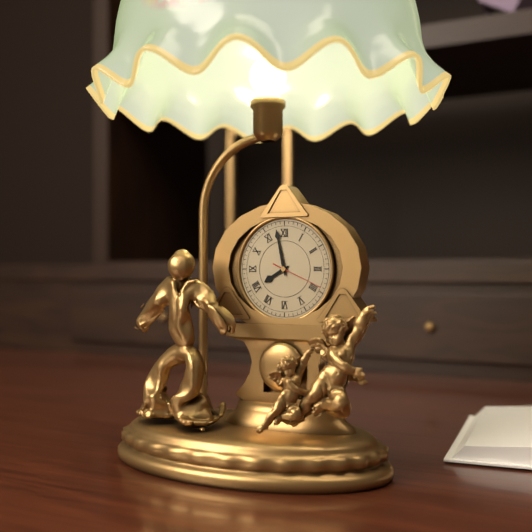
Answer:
h=7 m=58 s=19
